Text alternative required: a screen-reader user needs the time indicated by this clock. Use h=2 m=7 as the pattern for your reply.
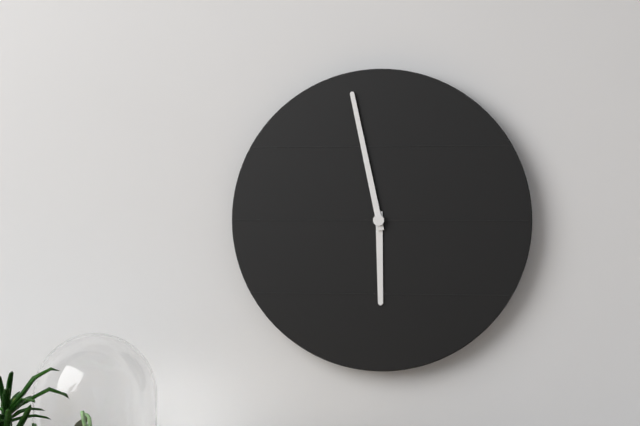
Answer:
h=5 m=58
